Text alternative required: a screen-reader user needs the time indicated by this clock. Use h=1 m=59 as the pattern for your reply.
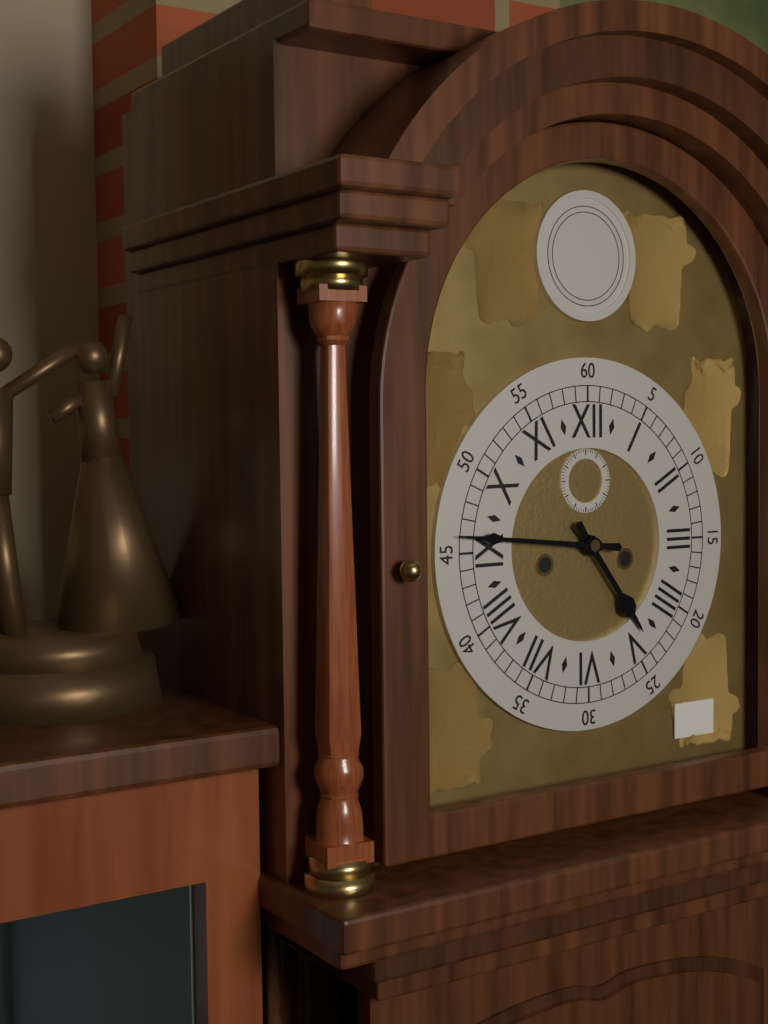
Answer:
h=4 m=46
